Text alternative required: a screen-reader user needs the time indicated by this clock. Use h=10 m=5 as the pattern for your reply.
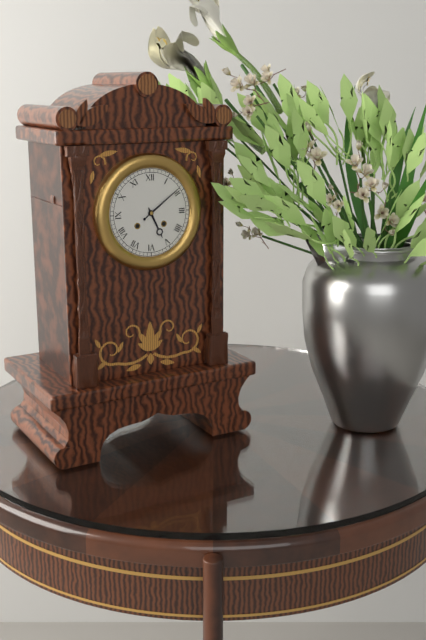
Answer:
h=5 m=9
